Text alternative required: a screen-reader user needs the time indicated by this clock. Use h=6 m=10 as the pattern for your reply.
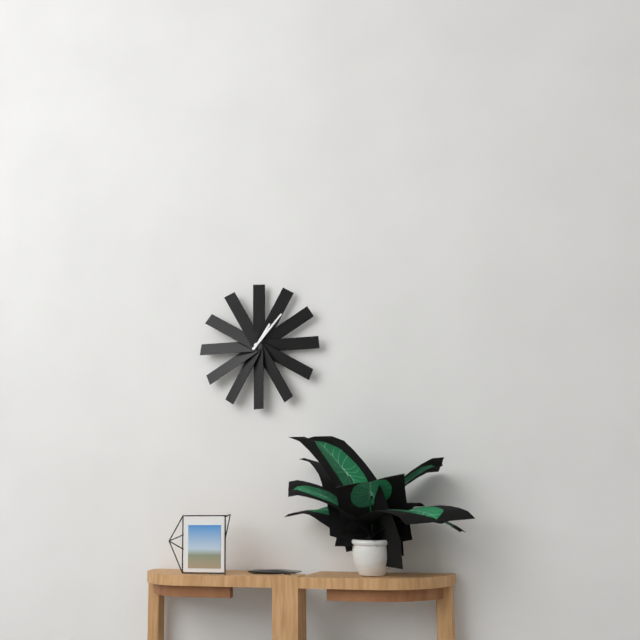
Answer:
h=1 m=7
